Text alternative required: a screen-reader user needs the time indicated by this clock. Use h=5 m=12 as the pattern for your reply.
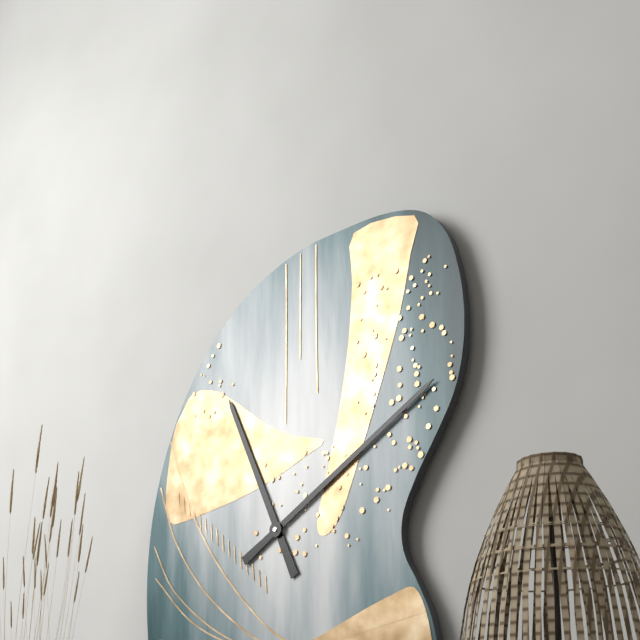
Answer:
h=11 m=10
